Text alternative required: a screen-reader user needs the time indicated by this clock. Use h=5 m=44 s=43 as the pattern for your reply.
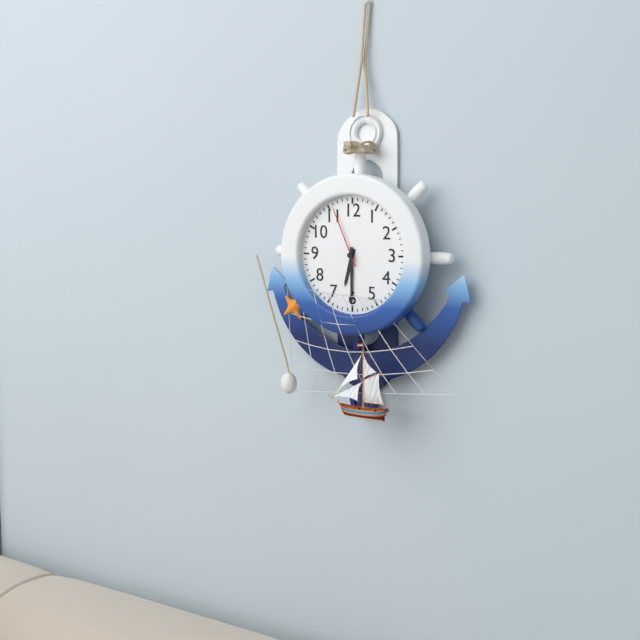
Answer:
h=6 m=30 s=56
